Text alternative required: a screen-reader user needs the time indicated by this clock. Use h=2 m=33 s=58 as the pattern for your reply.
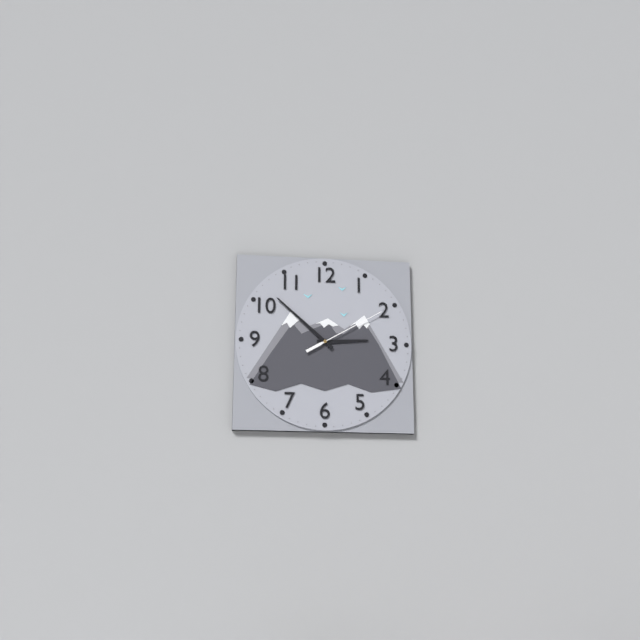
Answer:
h=2 m=52 s=10
